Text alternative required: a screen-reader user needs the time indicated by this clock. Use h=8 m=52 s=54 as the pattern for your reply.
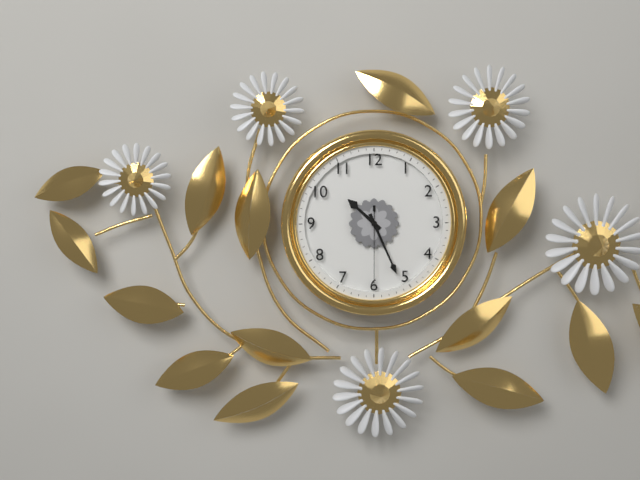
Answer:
h=10 m=26 s=30
